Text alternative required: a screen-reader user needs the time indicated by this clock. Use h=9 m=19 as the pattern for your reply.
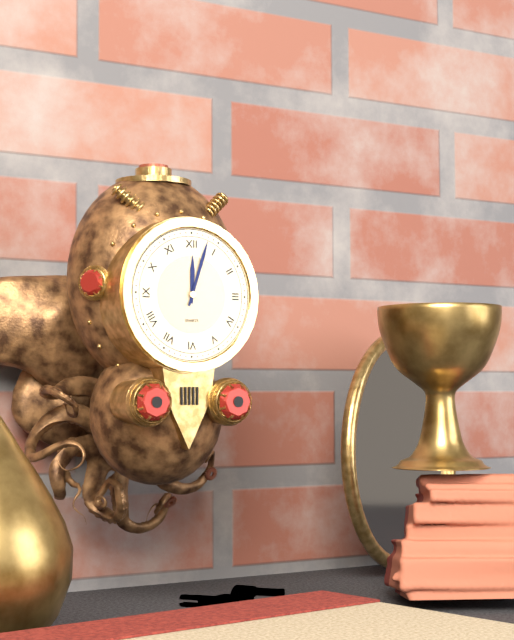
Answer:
h=12 m=3
